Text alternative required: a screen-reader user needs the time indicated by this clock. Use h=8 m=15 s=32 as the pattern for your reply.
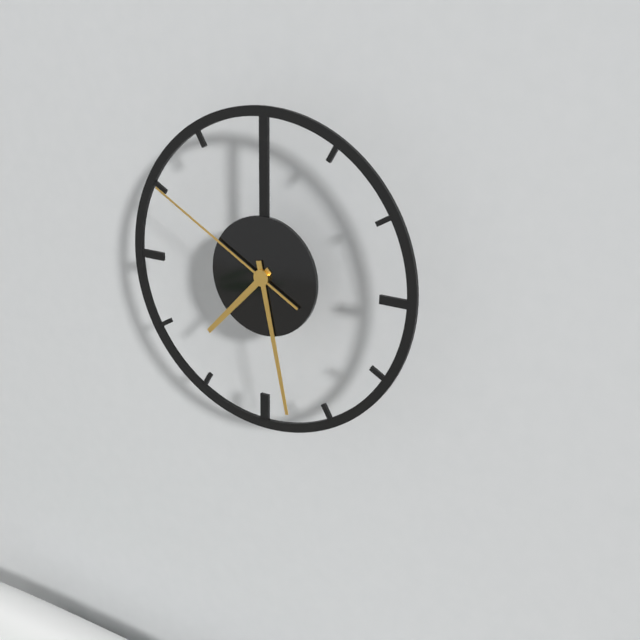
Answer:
h=7 m=28 s=50
